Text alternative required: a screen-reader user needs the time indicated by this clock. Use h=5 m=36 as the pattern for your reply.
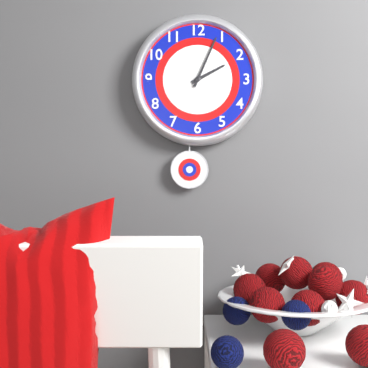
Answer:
h=2 m=4
